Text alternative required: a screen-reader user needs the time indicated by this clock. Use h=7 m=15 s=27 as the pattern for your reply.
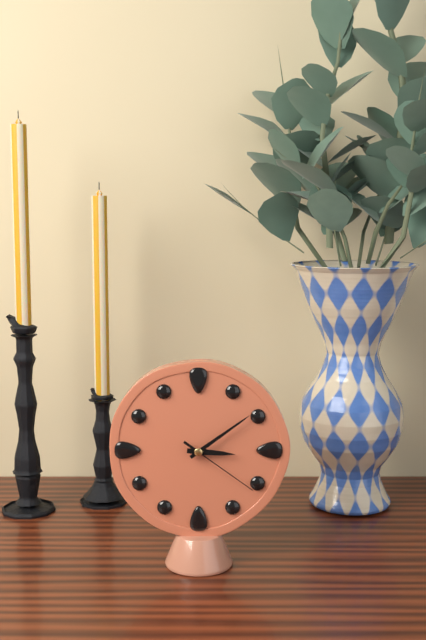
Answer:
h=3 m=9 s=21
